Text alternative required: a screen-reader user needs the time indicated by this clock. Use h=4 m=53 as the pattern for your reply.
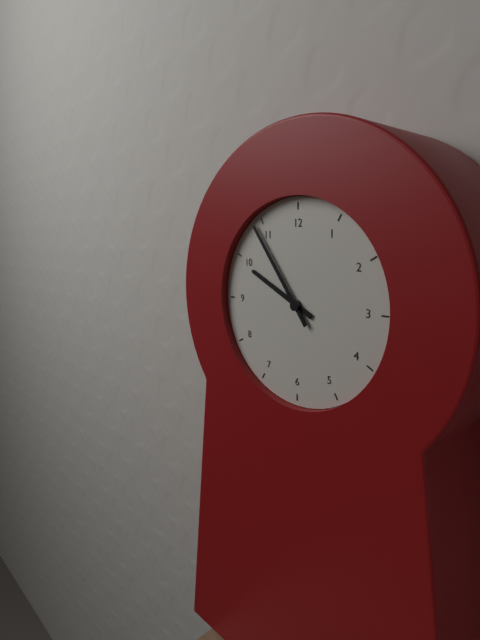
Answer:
h=9 m=54
